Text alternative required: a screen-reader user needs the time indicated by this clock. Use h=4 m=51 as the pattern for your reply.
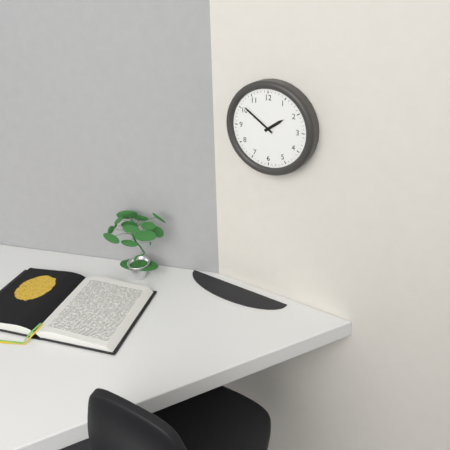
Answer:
h=1 m=51
